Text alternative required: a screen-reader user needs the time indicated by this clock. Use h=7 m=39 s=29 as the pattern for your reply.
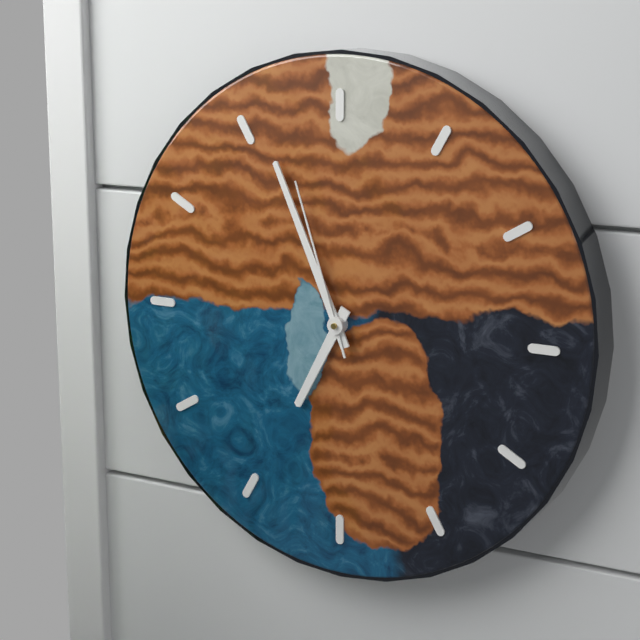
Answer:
h=6 m=56 s=57
